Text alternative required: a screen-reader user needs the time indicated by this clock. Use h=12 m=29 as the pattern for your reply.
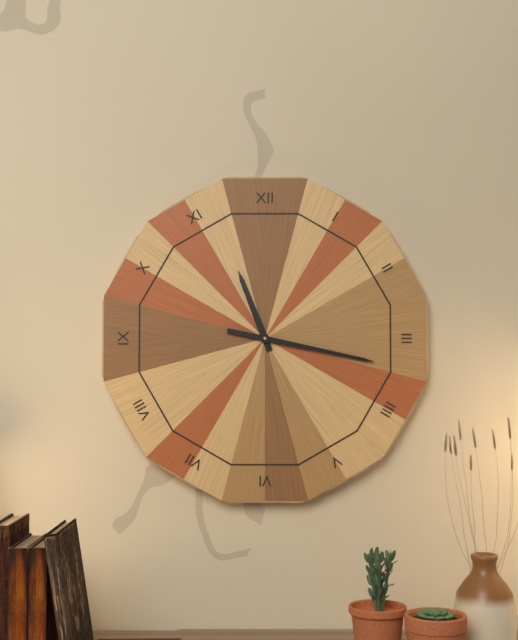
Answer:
h=11 m=17
